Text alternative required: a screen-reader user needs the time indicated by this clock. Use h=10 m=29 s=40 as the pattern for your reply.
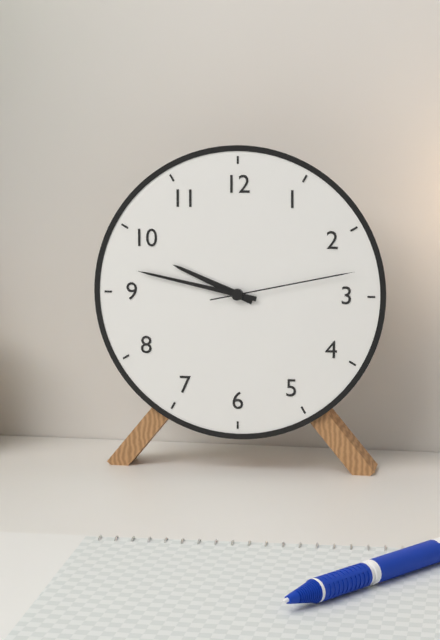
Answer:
h=9 m=47 s=13
